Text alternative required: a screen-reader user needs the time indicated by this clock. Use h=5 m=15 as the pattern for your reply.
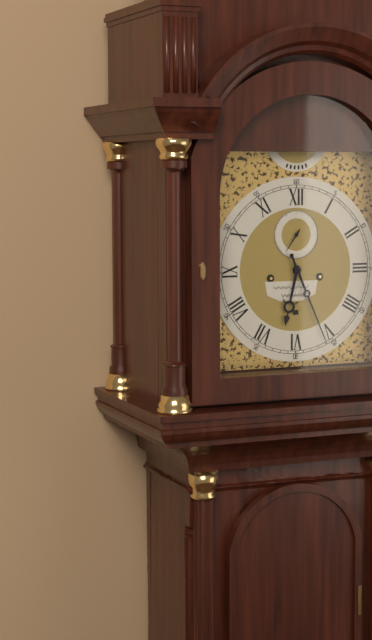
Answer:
h=6 m=26
